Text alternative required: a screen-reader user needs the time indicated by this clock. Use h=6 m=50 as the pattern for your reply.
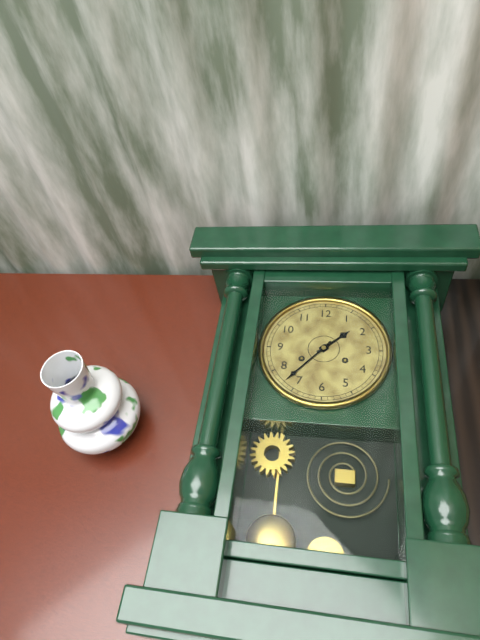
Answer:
h=1 m=37
